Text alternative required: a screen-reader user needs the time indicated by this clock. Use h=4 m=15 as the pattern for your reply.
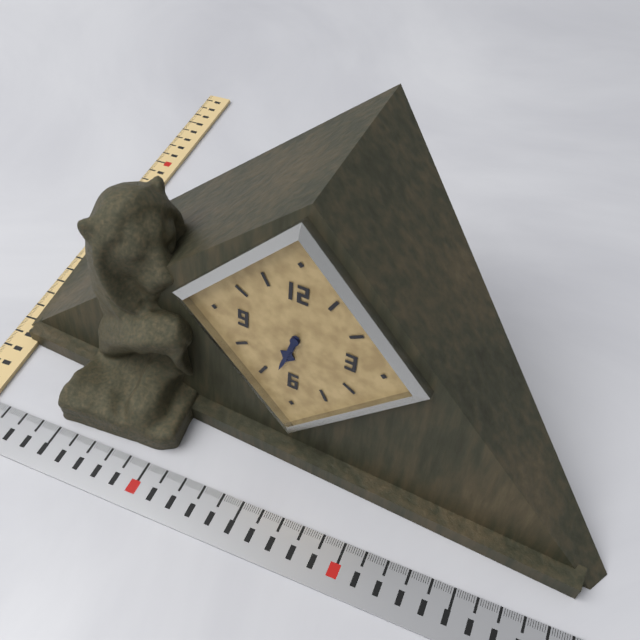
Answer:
h=6 m=33
